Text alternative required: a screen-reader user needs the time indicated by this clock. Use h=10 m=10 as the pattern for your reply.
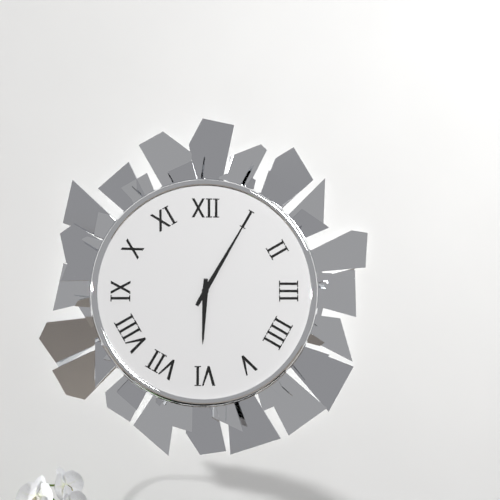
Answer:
h=6 m=5
